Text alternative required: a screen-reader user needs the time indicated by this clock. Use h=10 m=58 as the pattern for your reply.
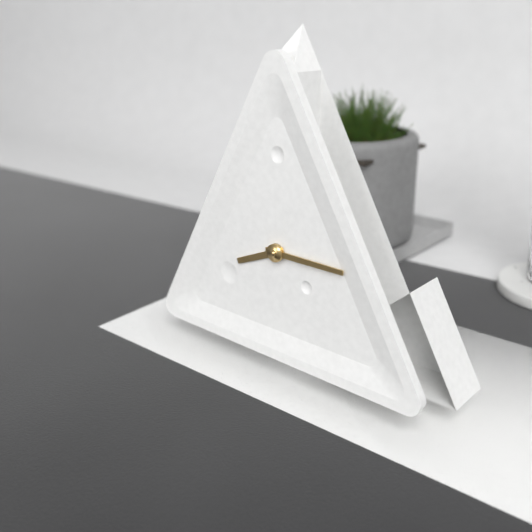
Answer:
h=8 m=15
